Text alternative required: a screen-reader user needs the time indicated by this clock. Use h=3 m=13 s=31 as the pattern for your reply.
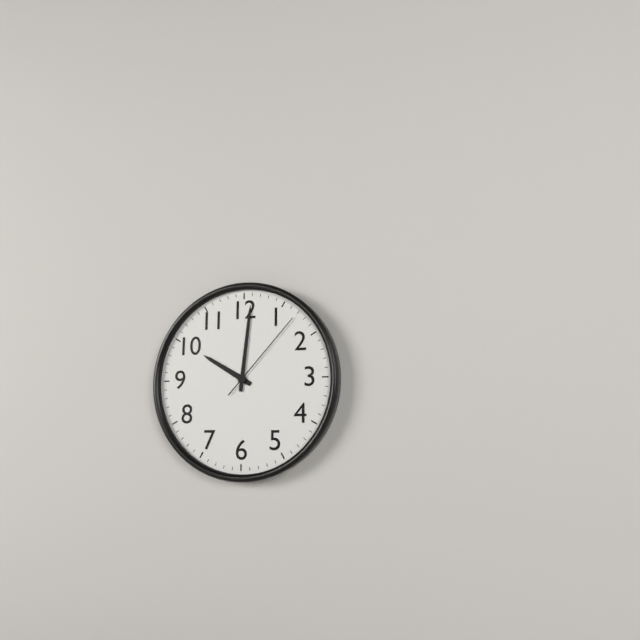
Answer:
h=10 m=1 s=7
